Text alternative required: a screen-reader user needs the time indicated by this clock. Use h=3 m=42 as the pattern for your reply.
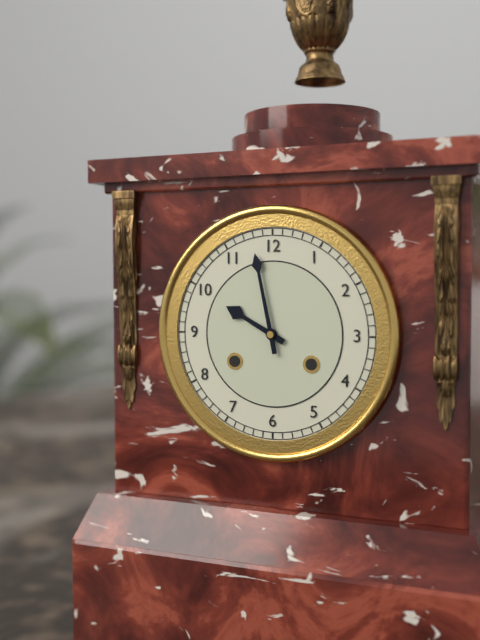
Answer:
h=9 m=58
